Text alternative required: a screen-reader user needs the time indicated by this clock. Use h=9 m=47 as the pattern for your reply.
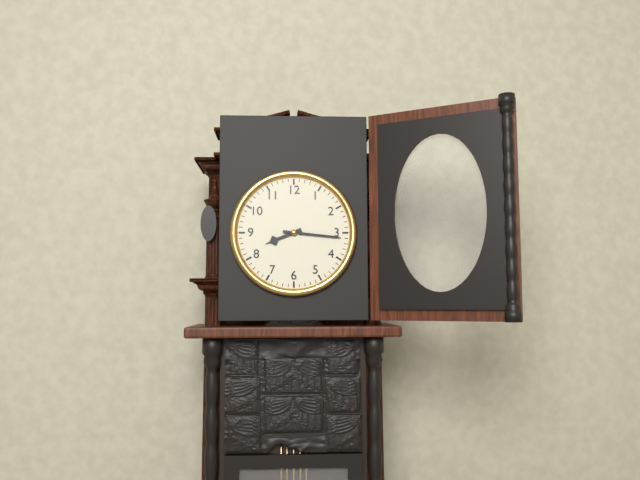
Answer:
h=8 m=16
